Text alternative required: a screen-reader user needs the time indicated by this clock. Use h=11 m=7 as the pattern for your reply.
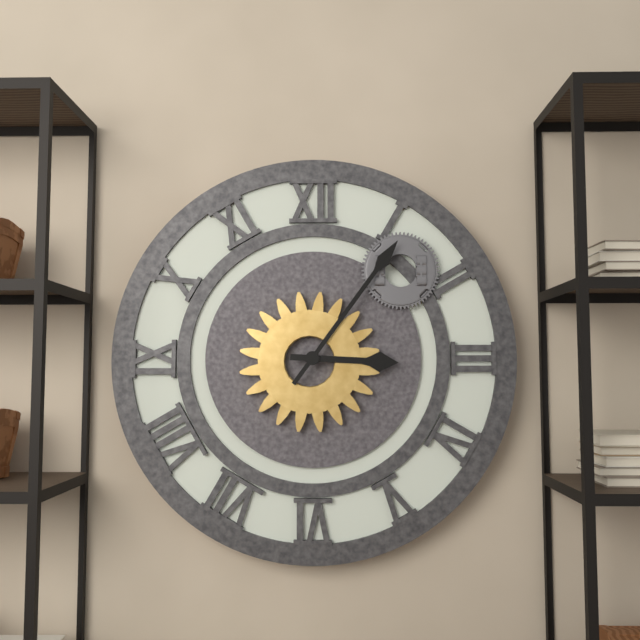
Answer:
h=3 m=6
